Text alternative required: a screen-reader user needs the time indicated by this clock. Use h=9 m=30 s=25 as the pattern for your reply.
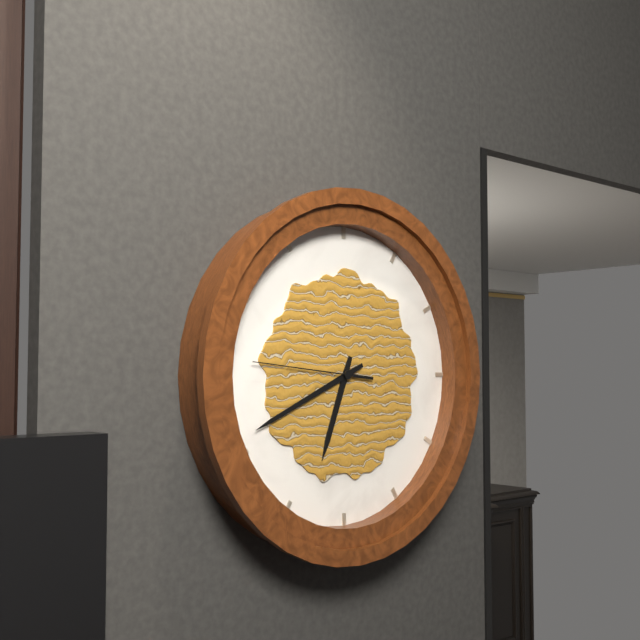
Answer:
h=6 m=41 s=46
